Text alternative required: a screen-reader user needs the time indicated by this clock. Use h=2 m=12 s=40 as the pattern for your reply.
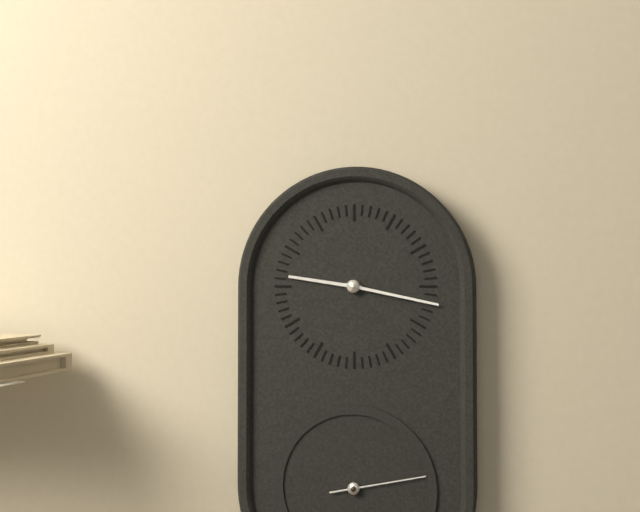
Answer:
h=9 m=17 s=13
